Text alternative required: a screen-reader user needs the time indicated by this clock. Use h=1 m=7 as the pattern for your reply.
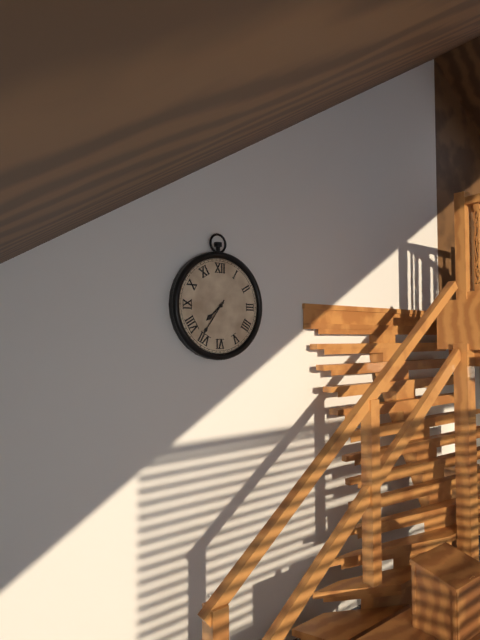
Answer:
h=7 m=36
